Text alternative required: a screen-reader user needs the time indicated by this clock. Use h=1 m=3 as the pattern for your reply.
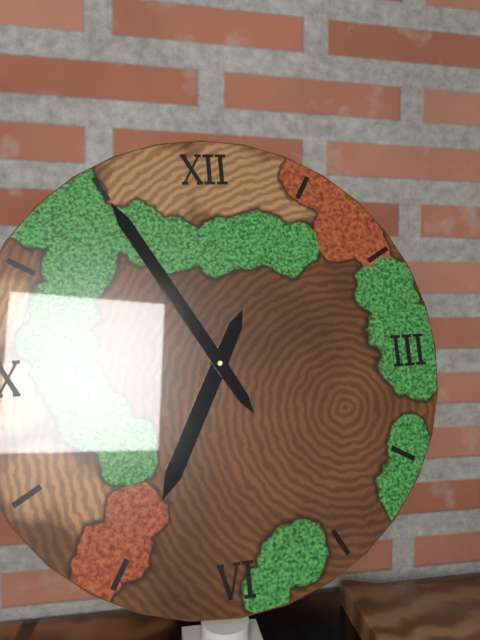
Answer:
h=6 m=55
